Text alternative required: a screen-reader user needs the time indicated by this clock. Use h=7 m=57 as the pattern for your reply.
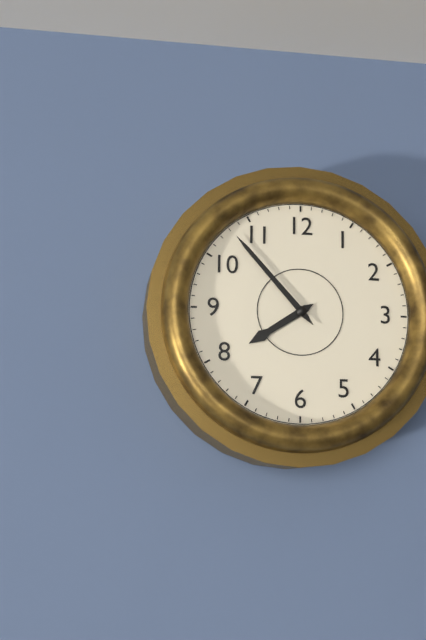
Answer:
h=7 m=53
